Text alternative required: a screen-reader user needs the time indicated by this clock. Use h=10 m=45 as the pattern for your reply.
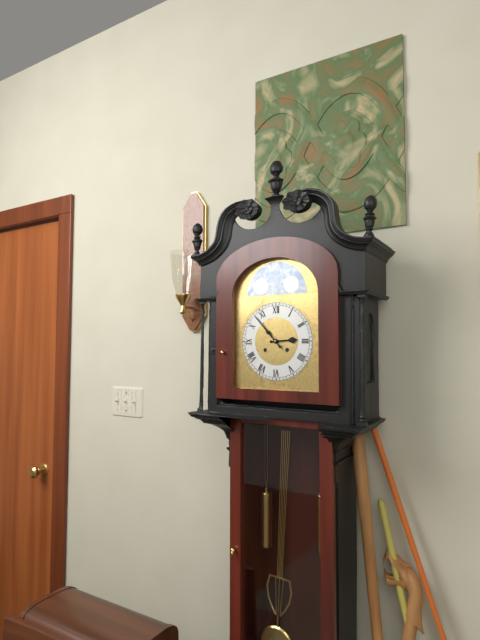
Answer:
h=2 m=53
